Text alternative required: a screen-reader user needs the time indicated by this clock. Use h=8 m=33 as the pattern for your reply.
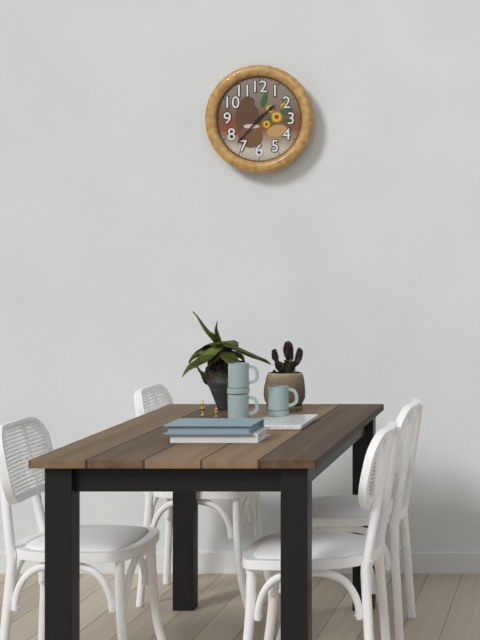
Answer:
h=1 m=37
